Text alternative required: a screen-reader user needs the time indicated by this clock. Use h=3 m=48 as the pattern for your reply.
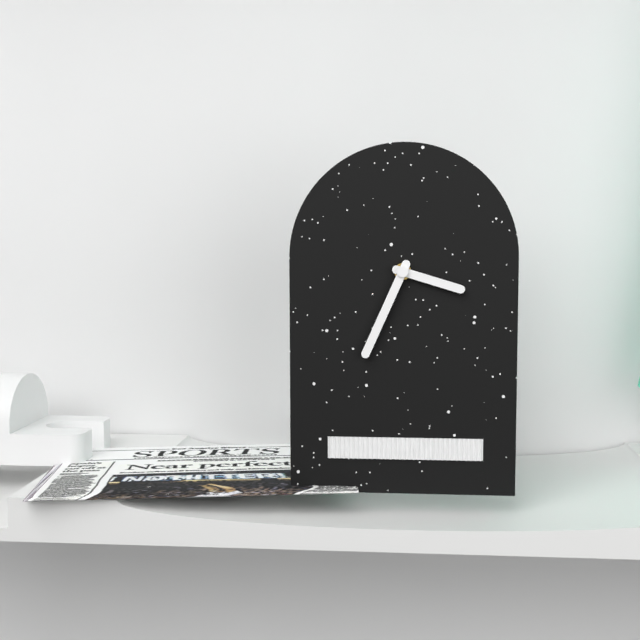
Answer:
h=3 m=34
